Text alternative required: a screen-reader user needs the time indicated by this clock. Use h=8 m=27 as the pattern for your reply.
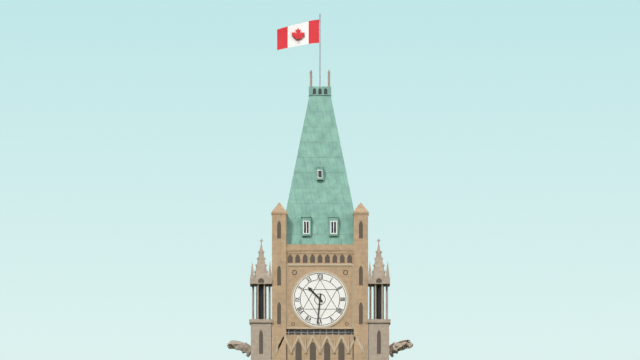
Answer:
h=10 m=31
